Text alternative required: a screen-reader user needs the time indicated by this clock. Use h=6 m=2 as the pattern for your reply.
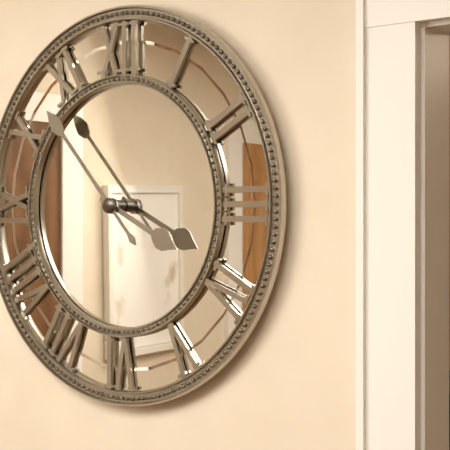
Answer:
h=3 m=53
